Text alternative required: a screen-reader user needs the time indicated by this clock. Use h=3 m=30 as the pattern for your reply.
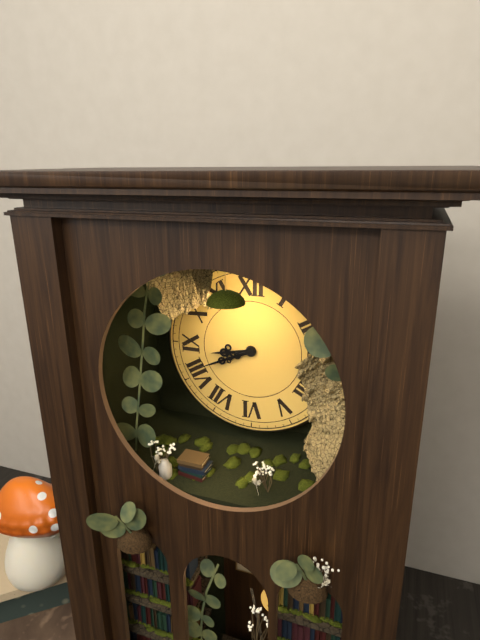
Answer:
h=8 m=41
